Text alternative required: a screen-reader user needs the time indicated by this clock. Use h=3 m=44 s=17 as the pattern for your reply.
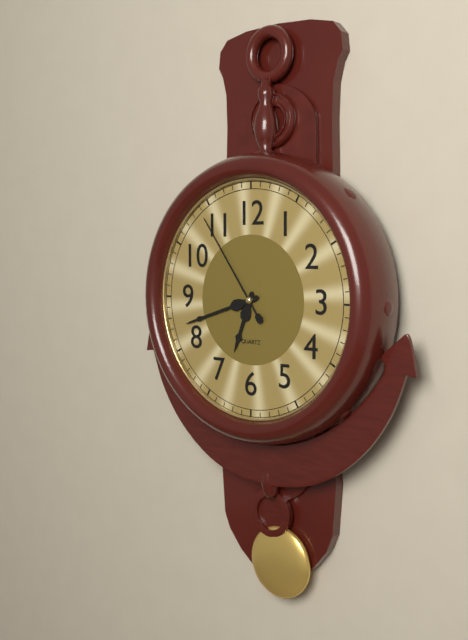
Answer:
h=6 m=42 s=54
